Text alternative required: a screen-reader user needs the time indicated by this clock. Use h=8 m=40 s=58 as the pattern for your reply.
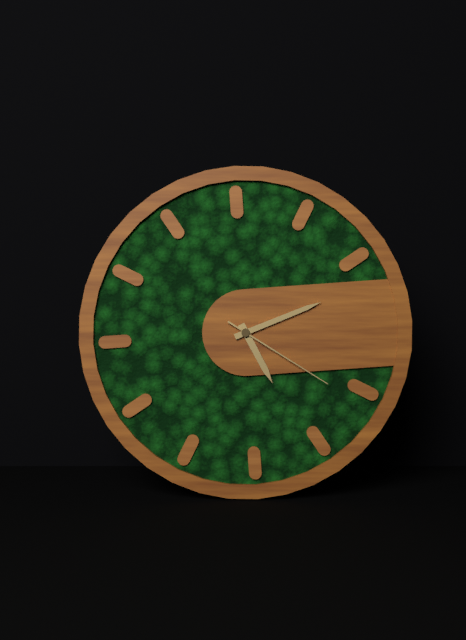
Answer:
h=5 m=12 s=21
